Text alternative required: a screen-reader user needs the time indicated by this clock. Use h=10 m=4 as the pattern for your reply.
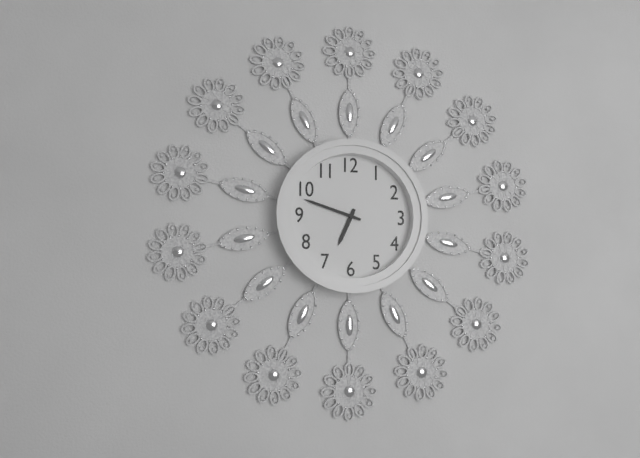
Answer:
h=6 m=48
